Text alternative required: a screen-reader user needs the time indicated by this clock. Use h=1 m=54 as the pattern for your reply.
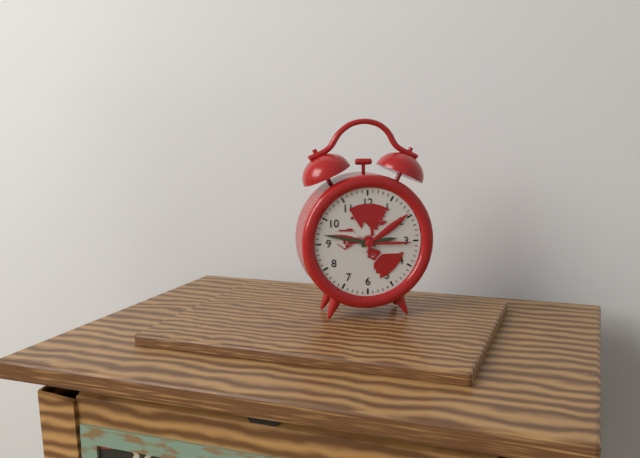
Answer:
h=2 m=47
